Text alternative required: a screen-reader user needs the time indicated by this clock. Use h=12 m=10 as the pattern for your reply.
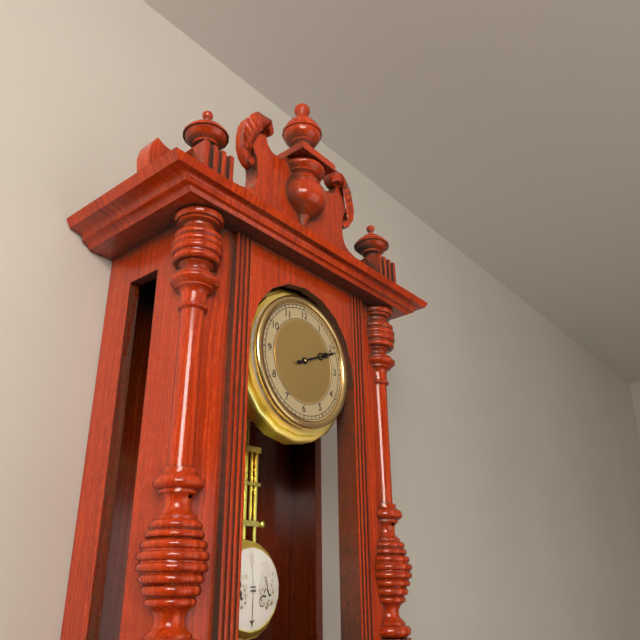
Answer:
h=2 m=11
